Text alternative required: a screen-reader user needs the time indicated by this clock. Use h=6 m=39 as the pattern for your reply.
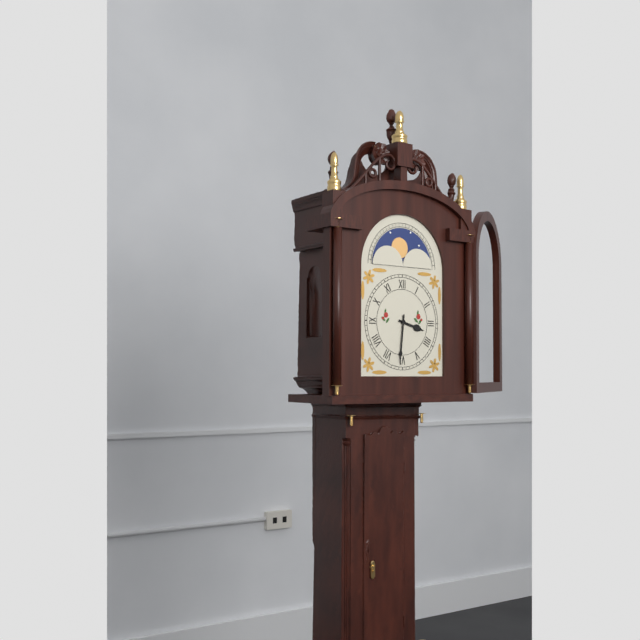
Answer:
h=3 m=31
